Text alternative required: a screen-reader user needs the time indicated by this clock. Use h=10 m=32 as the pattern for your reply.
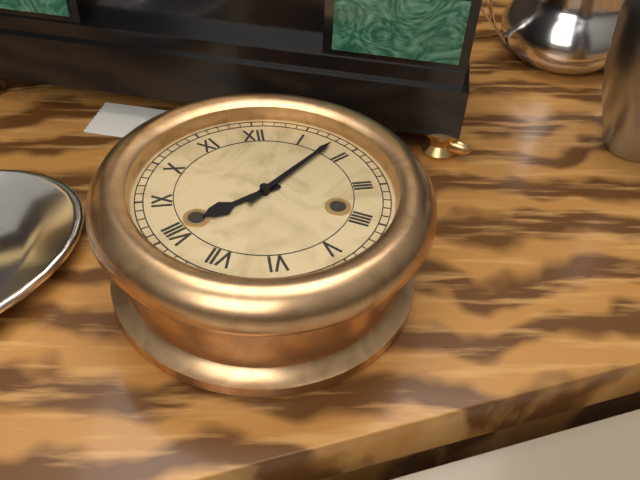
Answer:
h=8 m=8
